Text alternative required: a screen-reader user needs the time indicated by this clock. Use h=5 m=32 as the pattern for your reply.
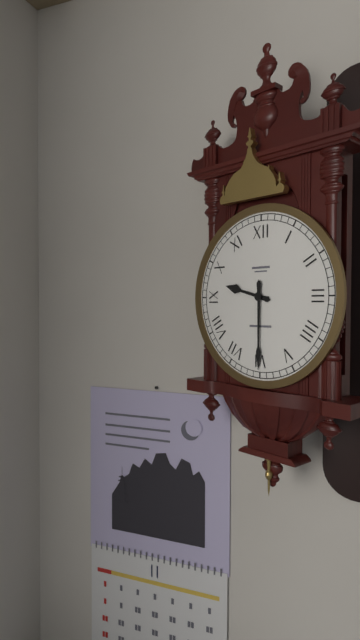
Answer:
h=9 m=30
